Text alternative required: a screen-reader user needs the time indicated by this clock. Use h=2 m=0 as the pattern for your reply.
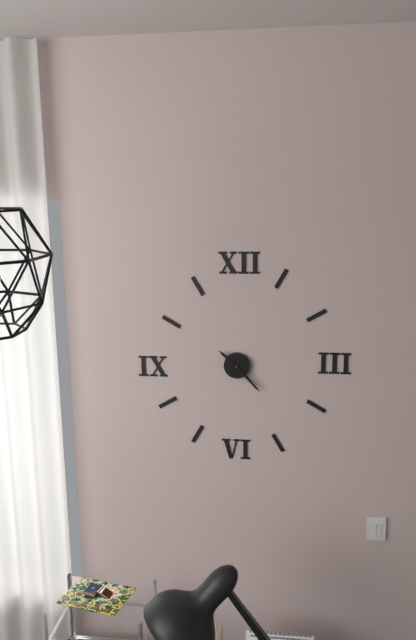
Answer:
h=10 m=23
